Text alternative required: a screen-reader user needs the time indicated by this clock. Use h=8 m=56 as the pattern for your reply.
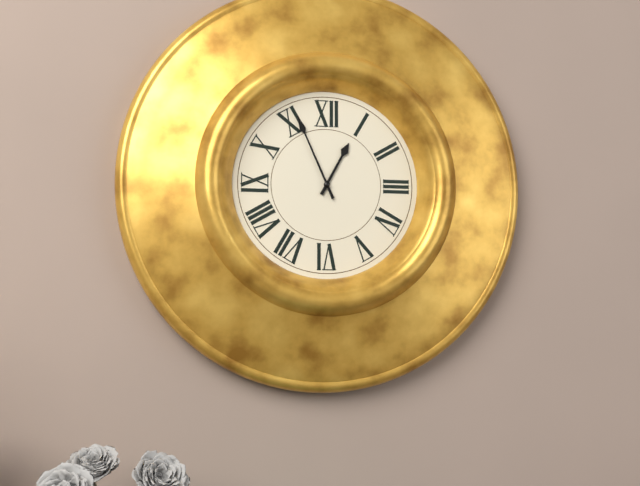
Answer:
h=12 m=56
